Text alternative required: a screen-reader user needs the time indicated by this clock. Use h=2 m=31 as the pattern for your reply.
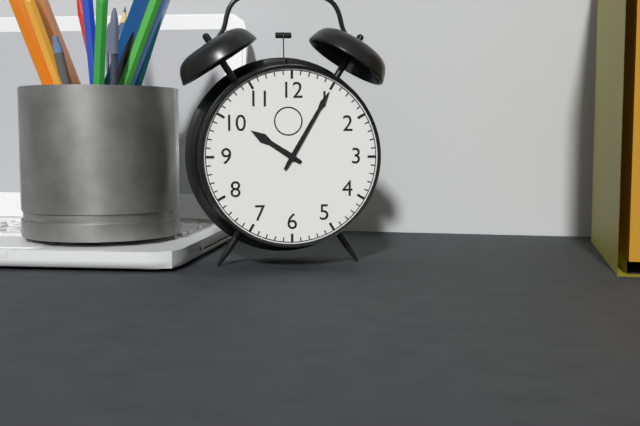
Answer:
h=10 m=5
